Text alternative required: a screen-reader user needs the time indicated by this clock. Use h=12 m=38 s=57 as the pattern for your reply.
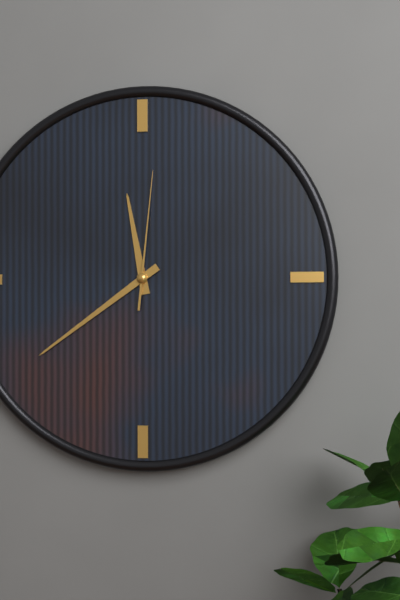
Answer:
h=11 m=39 s=1
